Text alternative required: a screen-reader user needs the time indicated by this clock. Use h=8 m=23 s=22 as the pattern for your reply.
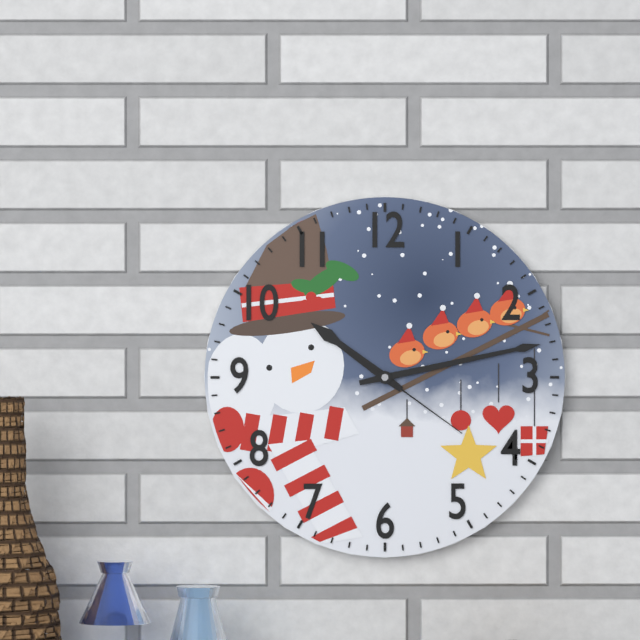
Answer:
h=10 m=13 s=21
